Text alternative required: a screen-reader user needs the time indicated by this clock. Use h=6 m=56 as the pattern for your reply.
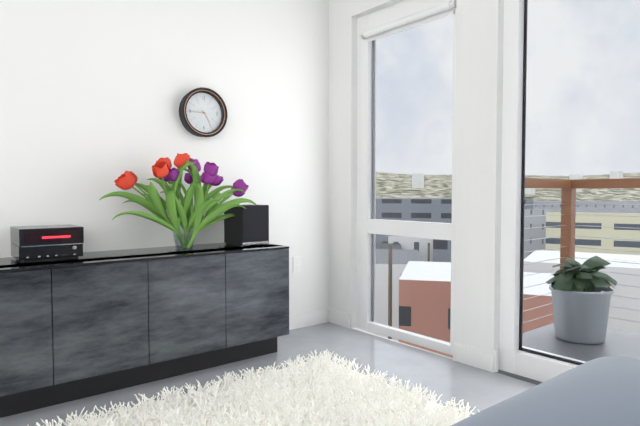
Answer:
h=4 m=45
